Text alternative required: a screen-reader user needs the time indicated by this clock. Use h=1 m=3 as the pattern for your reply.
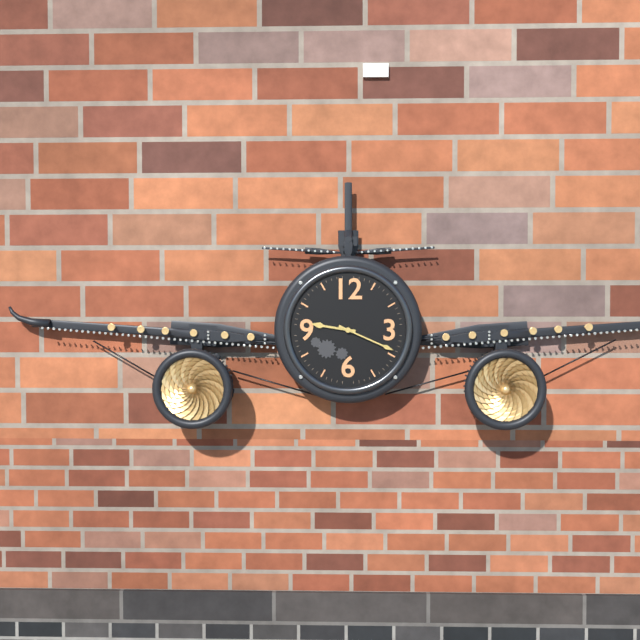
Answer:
h=9 m=19
